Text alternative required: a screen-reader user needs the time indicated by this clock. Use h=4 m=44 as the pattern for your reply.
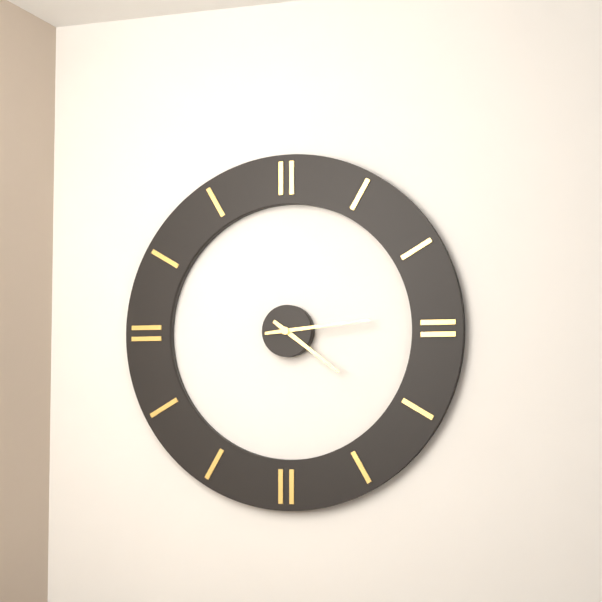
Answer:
h=4 m=14
